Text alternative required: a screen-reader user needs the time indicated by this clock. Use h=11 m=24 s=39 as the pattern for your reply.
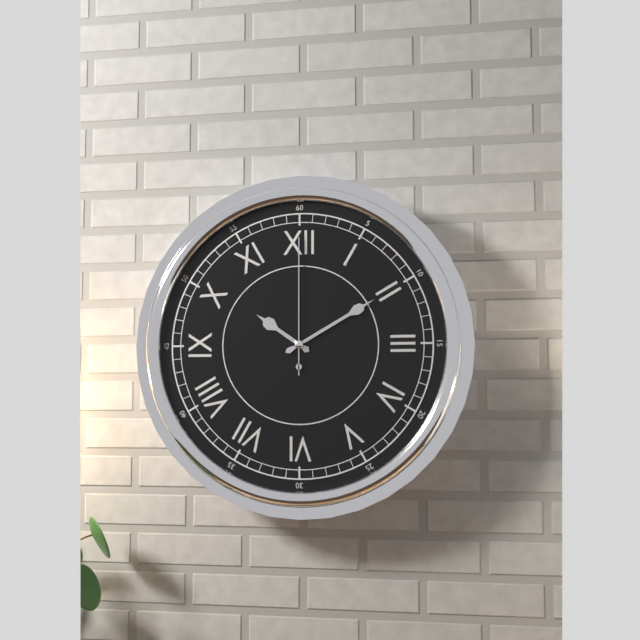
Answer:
h=10 m=10 s=0
